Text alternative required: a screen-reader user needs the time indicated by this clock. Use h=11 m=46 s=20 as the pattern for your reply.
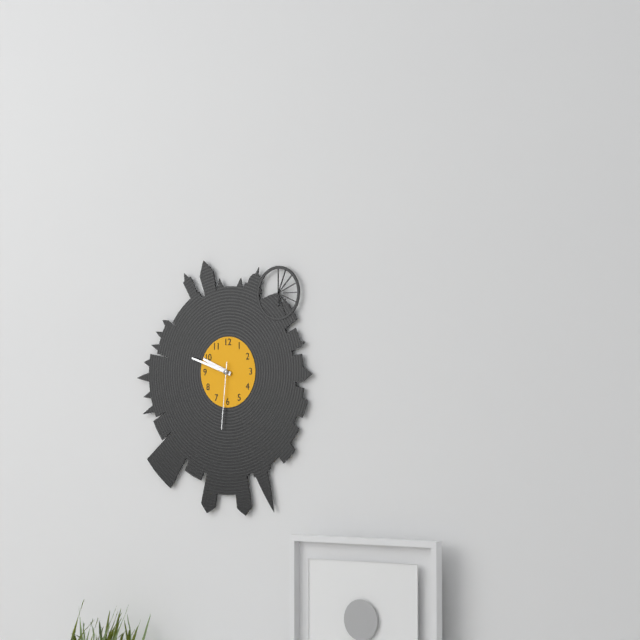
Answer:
h=9 m=48 s=31
